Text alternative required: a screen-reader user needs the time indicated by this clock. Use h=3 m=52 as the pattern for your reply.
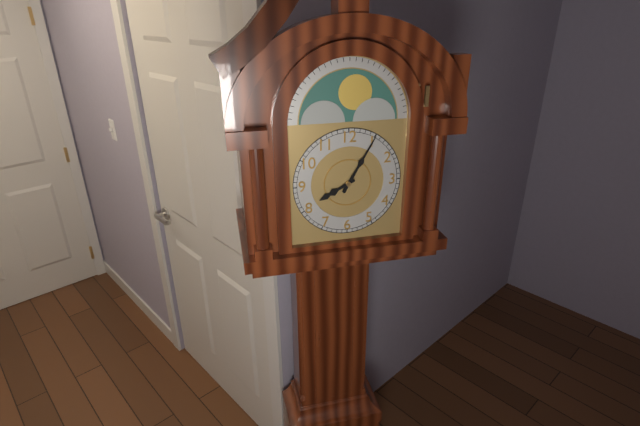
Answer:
h=8 m=5
